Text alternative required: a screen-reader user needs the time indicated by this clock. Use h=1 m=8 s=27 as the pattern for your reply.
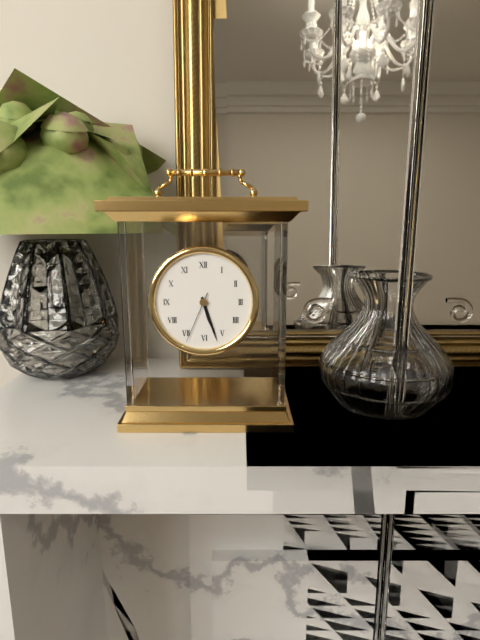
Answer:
h=5 m=27 s=34
